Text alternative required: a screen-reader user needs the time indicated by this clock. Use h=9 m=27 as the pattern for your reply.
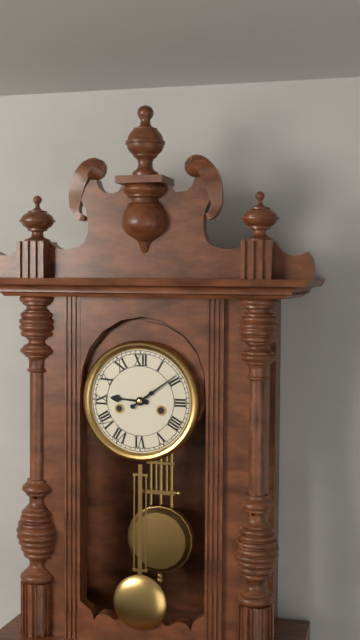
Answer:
h=9 m=9
